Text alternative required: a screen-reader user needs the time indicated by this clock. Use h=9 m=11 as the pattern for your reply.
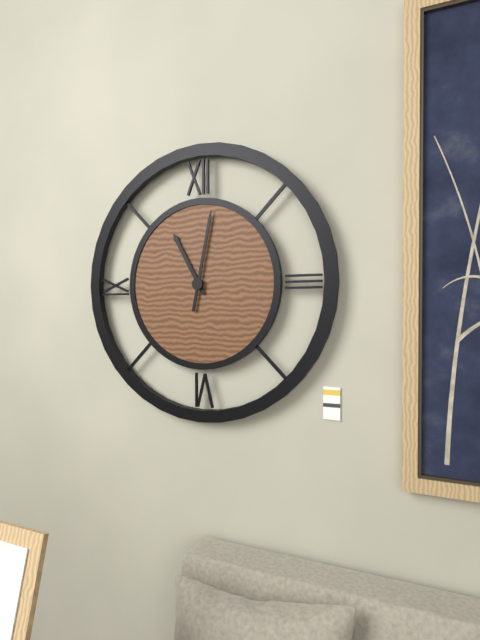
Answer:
h=11 m=2
